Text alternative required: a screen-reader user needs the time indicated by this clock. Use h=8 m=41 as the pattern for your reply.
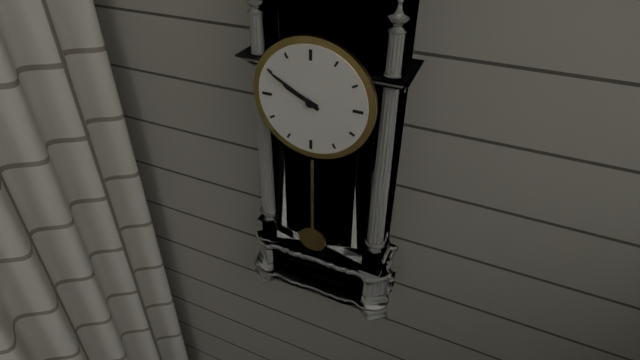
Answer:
h=9 m=50
